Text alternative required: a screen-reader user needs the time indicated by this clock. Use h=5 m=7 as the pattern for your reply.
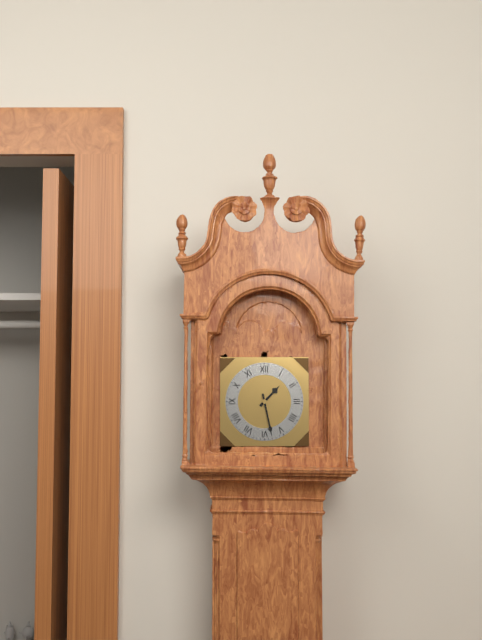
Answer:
h=1 m=28
